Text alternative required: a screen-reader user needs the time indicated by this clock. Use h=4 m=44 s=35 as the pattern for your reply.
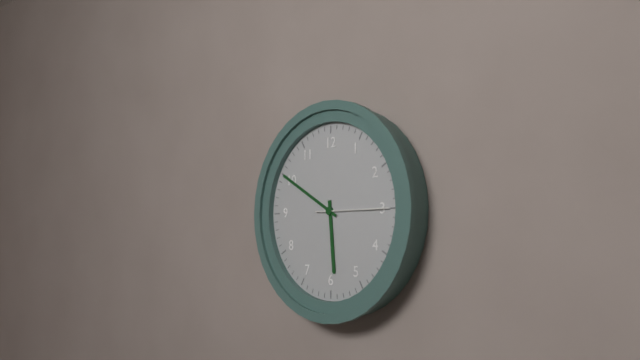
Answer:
h=5 m=50 s=15
